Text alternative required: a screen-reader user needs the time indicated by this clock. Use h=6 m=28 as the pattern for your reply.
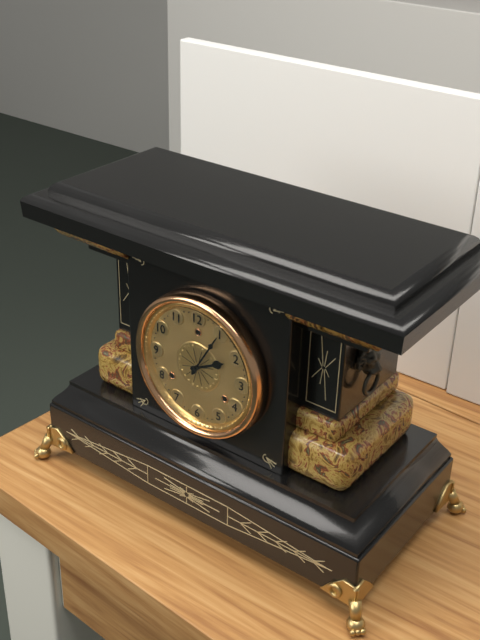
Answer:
h=2 m=5
